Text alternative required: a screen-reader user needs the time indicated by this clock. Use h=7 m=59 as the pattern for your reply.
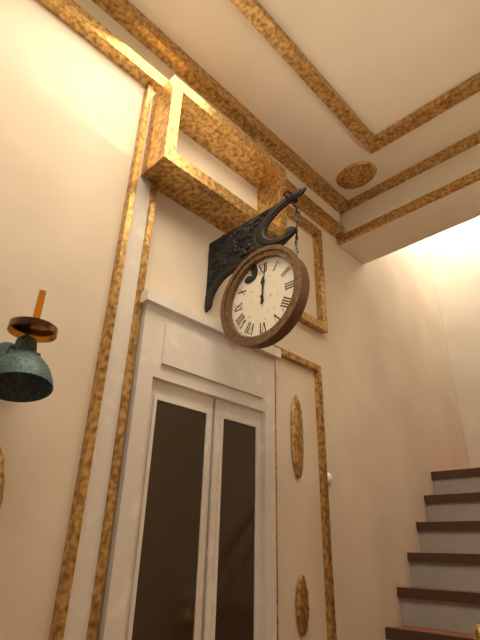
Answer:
h=12 m=1
